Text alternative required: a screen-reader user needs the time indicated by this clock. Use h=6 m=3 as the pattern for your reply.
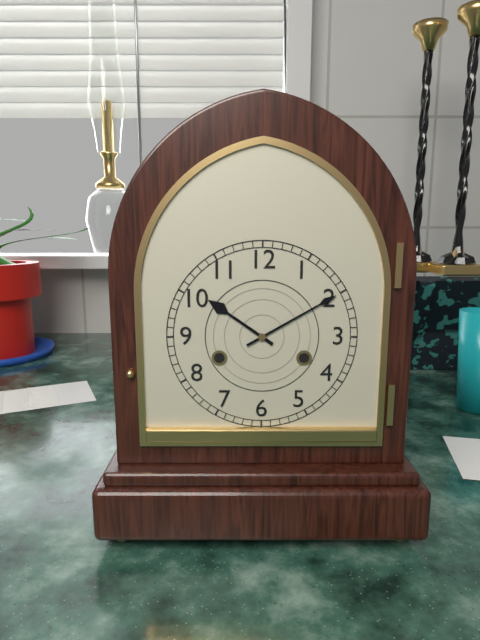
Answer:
h=10 m=10
